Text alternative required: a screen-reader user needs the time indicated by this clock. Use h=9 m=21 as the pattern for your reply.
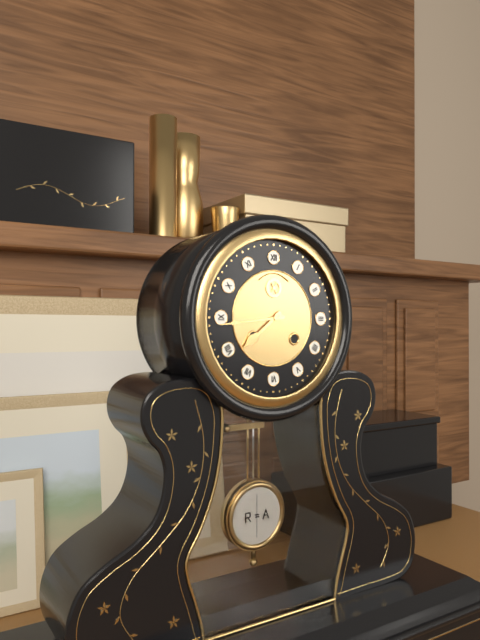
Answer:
h=7 m=44
